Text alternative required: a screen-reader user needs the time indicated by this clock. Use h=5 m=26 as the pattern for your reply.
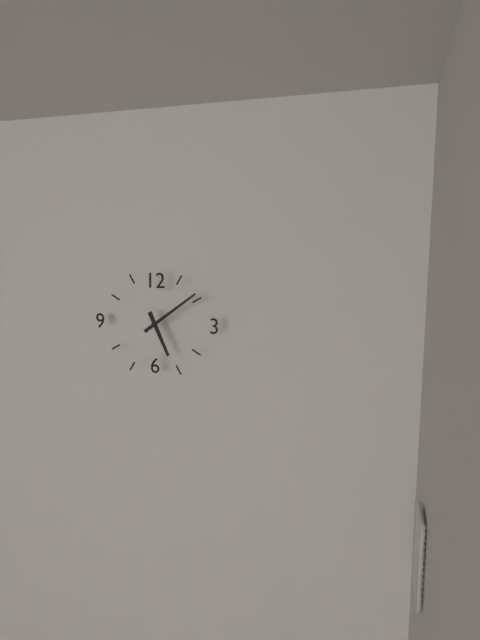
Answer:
h=5 m=9
